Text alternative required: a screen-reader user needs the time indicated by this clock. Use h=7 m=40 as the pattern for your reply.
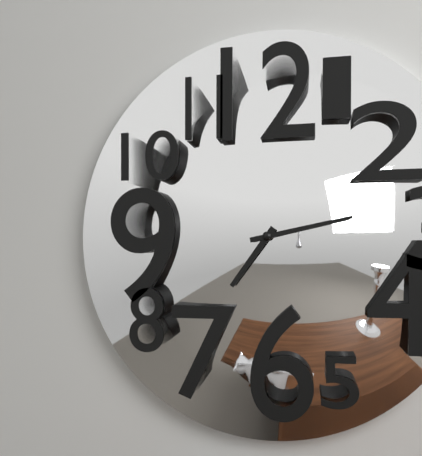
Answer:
h=7 m=13
